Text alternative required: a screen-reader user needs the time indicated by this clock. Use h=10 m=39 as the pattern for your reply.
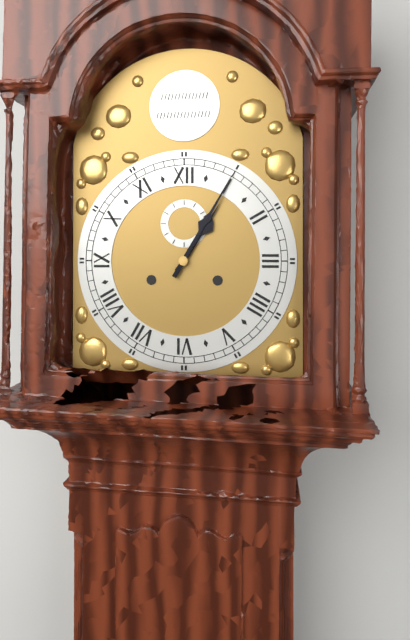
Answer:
h=1 m=5
